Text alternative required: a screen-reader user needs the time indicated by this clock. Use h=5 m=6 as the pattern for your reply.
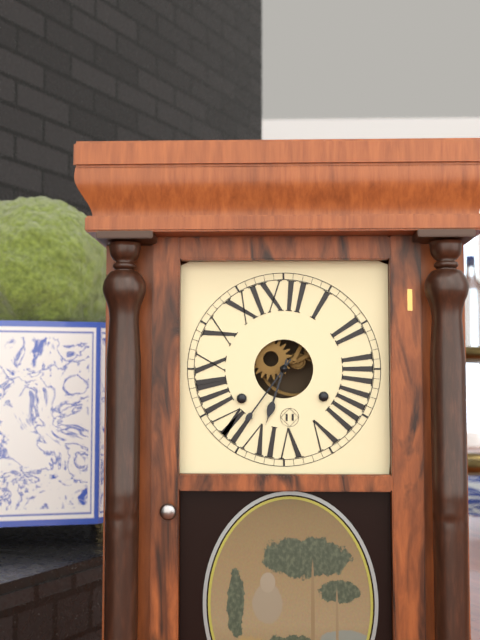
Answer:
h=6 m=36
